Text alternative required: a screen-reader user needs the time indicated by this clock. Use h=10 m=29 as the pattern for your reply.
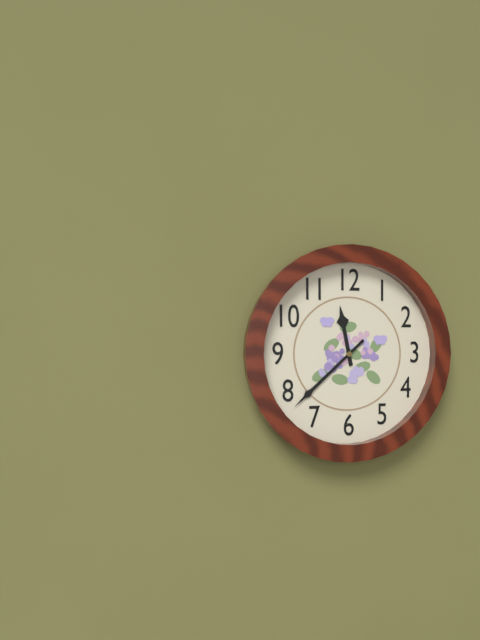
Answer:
h=11 m=38
